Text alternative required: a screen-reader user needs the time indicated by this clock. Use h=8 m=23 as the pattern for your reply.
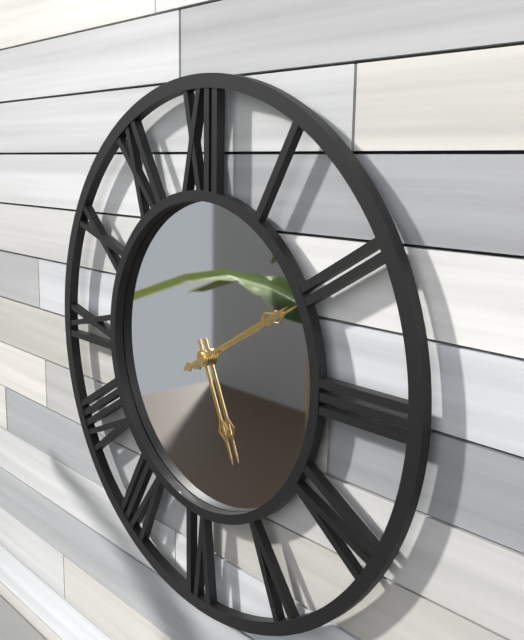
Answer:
h=5 m=10
